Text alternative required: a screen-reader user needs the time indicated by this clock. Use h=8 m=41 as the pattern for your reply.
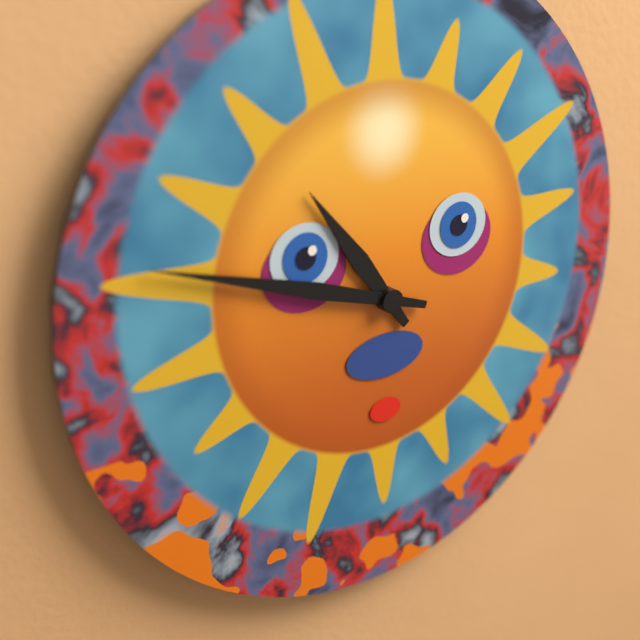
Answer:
h=10 m=48
